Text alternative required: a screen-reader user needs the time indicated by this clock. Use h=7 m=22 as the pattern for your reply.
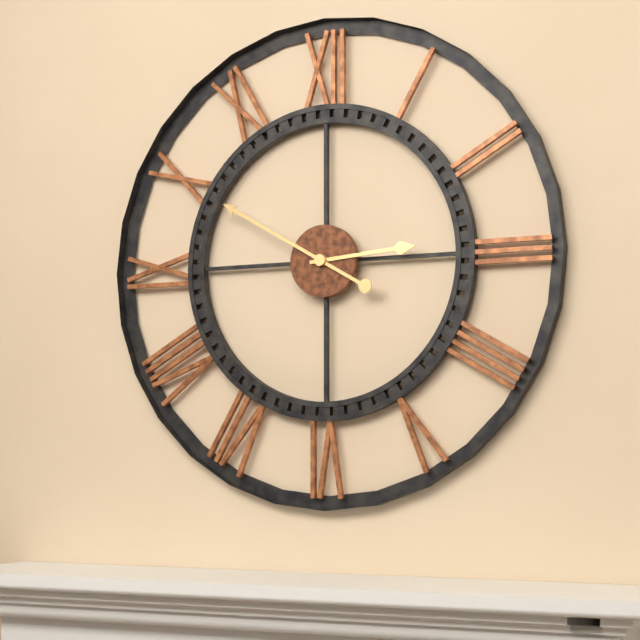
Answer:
h=2 m=50
